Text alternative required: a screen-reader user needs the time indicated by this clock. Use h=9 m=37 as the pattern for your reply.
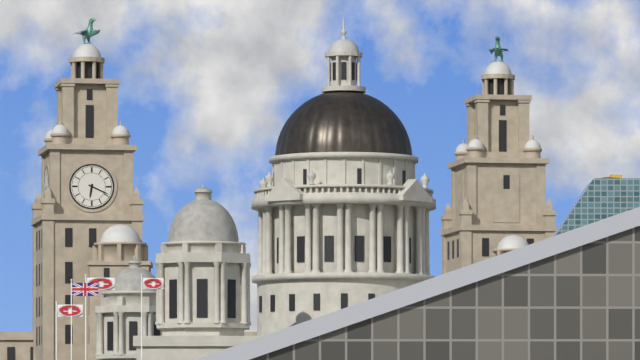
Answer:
h=6 m=19
